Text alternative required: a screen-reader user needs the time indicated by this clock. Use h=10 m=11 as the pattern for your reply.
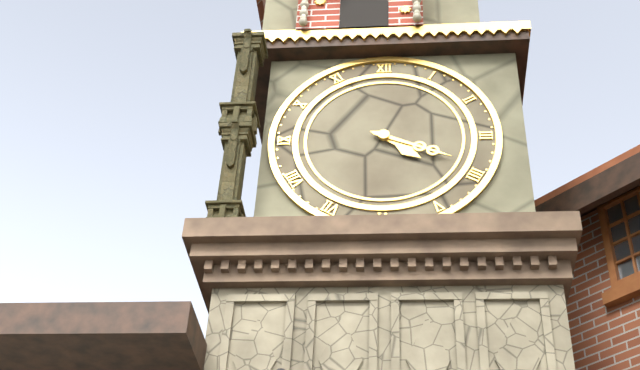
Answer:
h=4 m=19
